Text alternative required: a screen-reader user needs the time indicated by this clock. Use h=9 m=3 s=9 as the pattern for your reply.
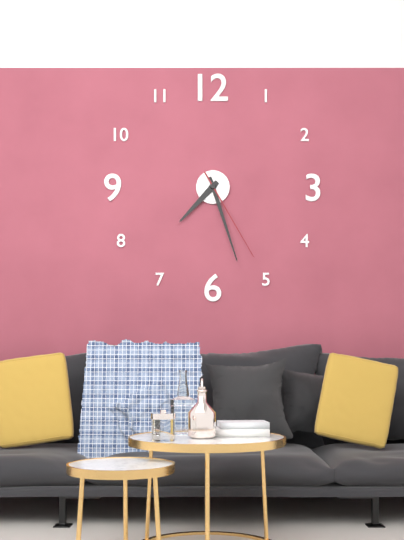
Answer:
h=7 m=27 s=25
